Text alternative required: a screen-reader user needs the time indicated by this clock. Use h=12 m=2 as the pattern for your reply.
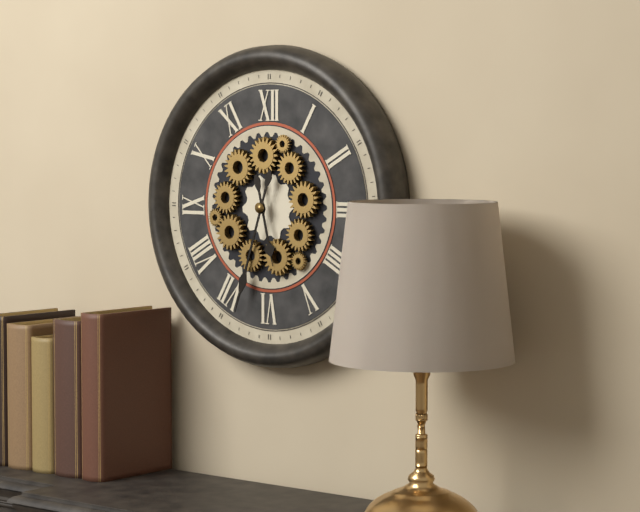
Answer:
h=5 m=33
